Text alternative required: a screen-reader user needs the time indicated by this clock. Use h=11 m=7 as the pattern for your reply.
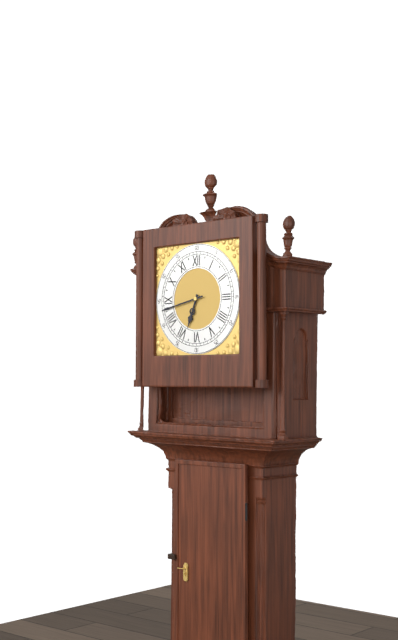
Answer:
h=6 m=43
